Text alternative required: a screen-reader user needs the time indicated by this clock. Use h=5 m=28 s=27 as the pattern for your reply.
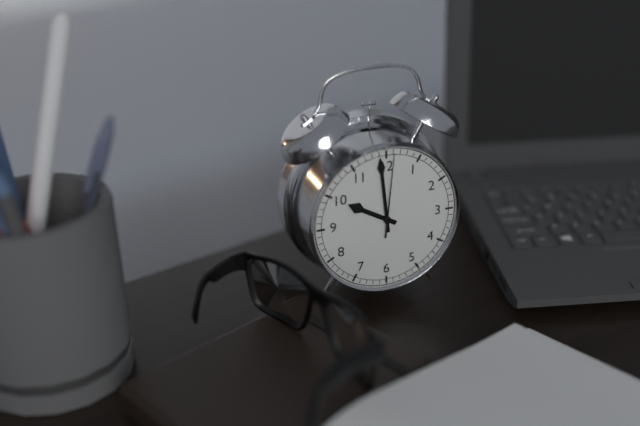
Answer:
h=9 m=59 s=1
